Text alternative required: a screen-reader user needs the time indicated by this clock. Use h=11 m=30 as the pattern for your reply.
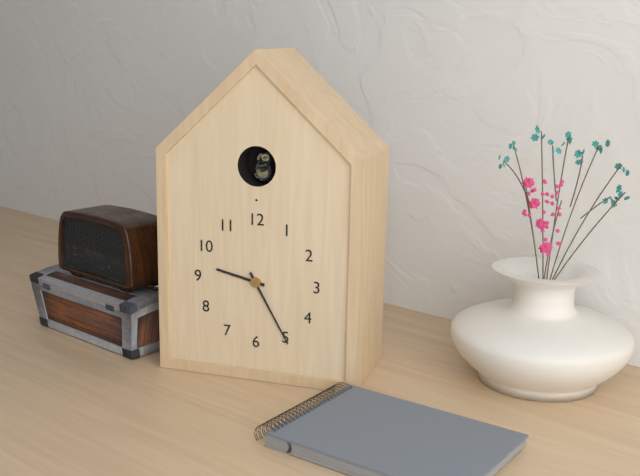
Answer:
h=9 m=25
